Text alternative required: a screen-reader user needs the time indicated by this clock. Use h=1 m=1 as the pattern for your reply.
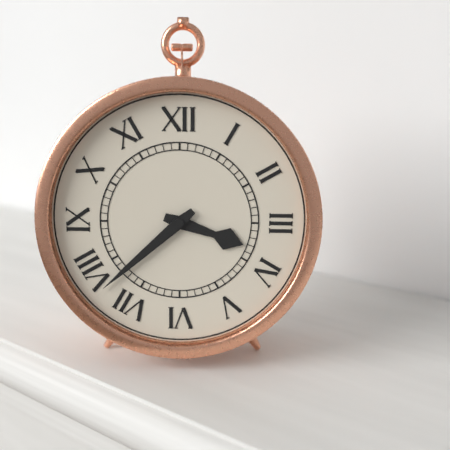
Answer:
h=3 m=38
